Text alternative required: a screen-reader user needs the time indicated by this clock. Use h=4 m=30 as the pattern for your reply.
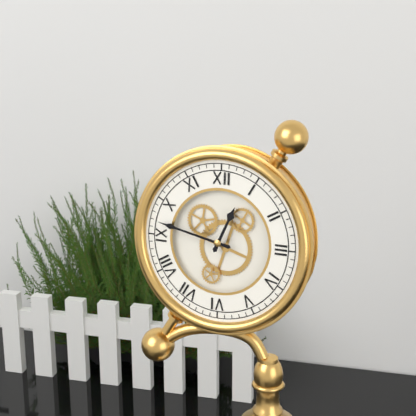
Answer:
h=12 m=47
